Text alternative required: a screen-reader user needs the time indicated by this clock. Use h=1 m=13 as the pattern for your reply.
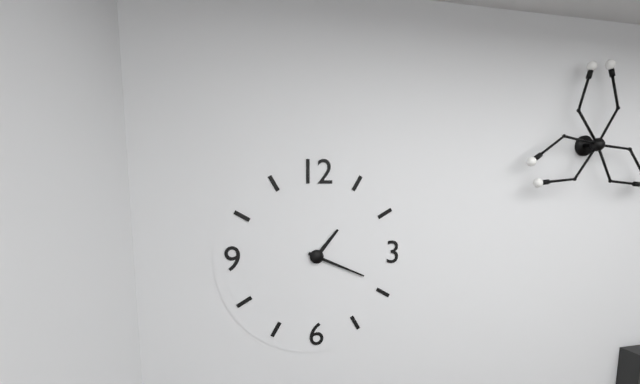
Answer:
h=1 m=19
